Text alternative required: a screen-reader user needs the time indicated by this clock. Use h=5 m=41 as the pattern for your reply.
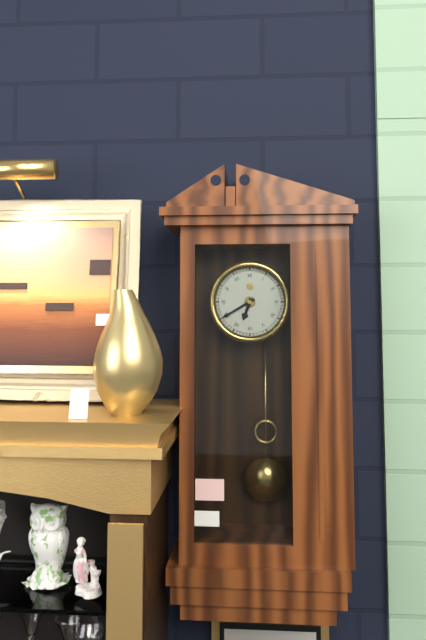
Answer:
h=6 m=40
